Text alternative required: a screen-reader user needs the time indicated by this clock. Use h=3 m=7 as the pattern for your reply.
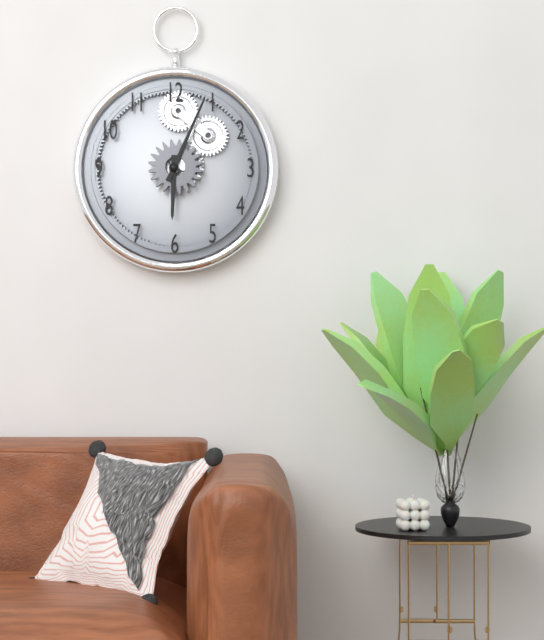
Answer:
h=6 m=4
